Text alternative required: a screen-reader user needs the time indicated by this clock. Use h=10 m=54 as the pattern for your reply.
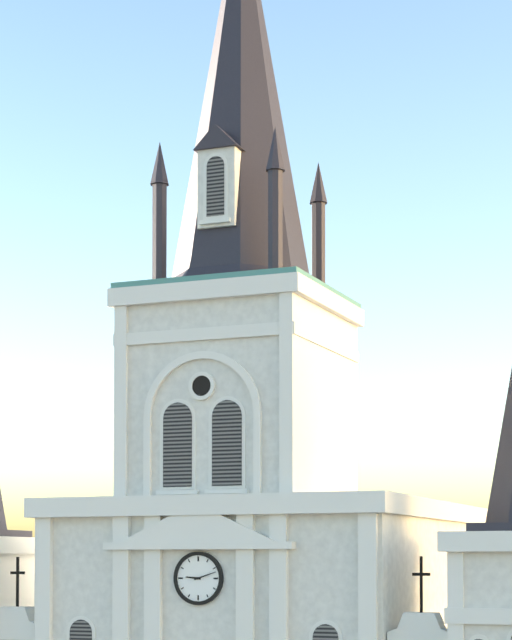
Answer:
h=9 m=12
